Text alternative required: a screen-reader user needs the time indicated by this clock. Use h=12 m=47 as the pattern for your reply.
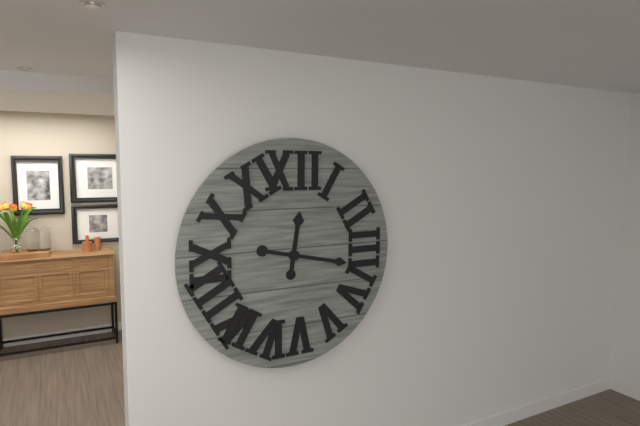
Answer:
h=12 m=17
